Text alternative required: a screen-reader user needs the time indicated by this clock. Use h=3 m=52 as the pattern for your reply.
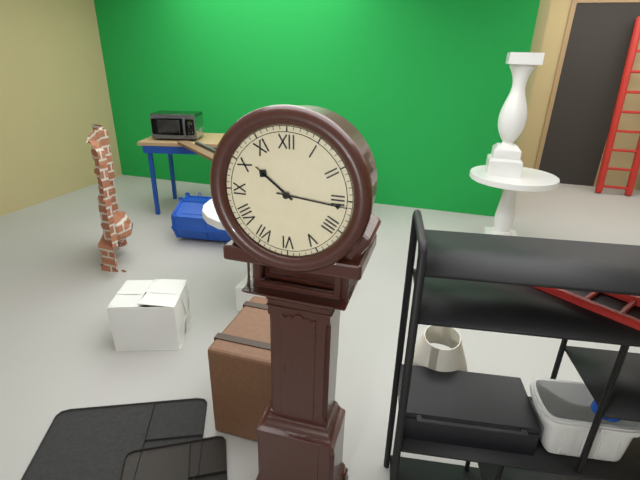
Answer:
h=10 m=16
